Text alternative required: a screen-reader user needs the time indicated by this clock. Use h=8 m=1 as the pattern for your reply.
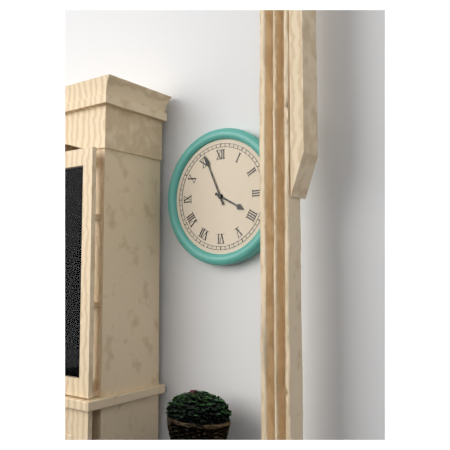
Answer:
h=3 m=56
